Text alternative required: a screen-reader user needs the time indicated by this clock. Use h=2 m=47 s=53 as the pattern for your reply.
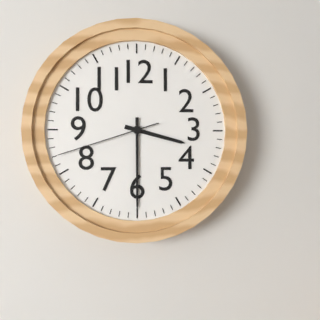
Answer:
h=3 m=30 s=42
